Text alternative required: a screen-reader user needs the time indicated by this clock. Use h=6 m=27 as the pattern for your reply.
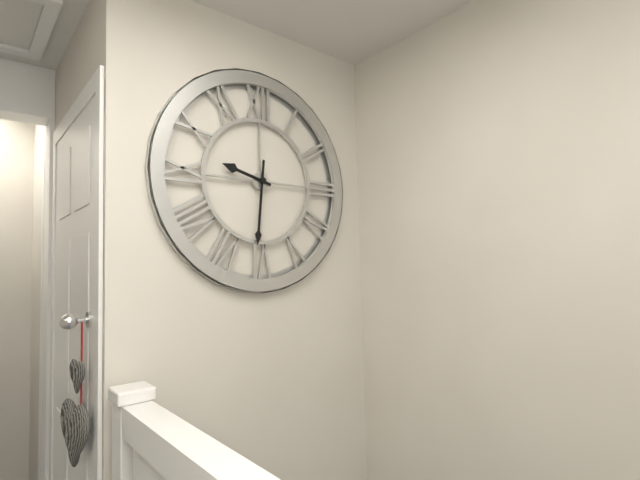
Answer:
h=9 m=31
